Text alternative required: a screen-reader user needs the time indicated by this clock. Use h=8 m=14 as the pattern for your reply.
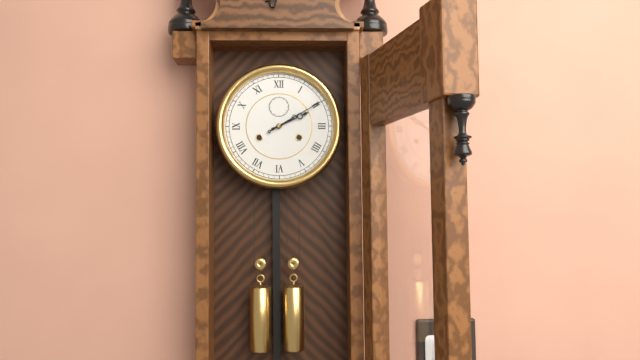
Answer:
h=2 m=10
